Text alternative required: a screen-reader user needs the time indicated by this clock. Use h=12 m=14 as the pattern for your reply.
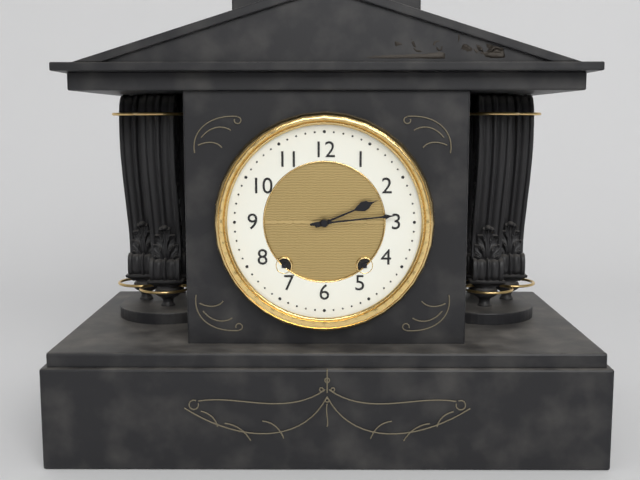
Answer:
h=2 m=14
